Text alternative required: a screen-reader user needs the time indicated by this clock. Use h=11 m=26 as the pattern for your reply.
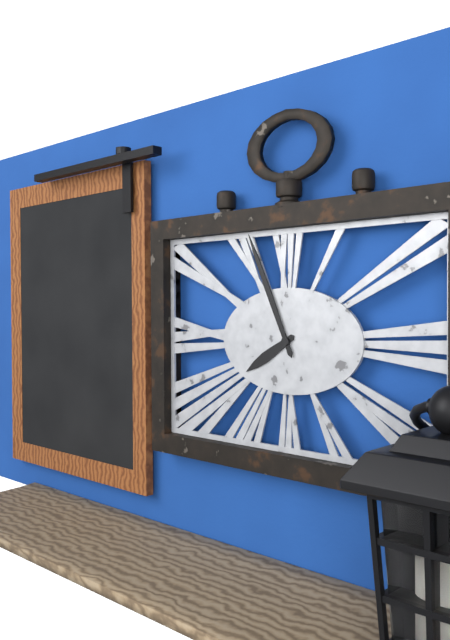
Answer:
h=7 m=56
